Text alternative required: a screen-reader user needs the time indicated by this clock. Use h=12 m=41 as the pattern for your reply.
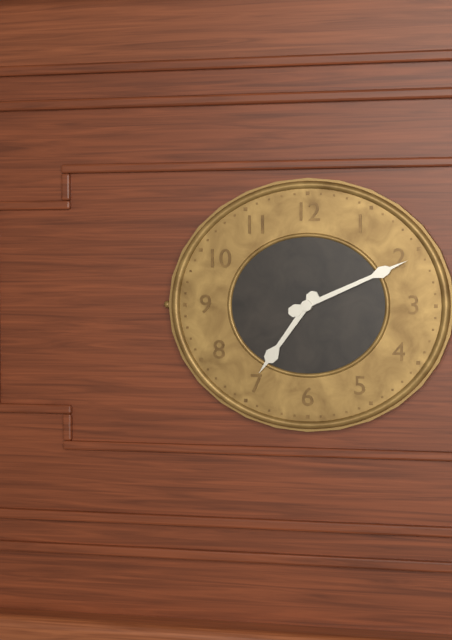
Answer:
h=7 m=11
